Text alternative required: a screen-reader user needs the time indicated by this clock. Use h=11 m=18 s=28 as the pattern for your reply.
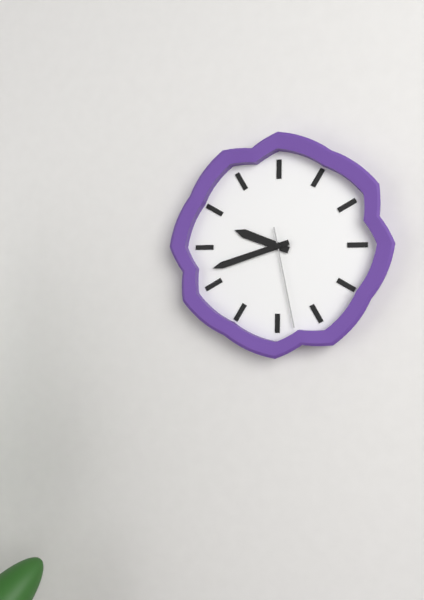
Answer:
h=9 m=42 s=28
